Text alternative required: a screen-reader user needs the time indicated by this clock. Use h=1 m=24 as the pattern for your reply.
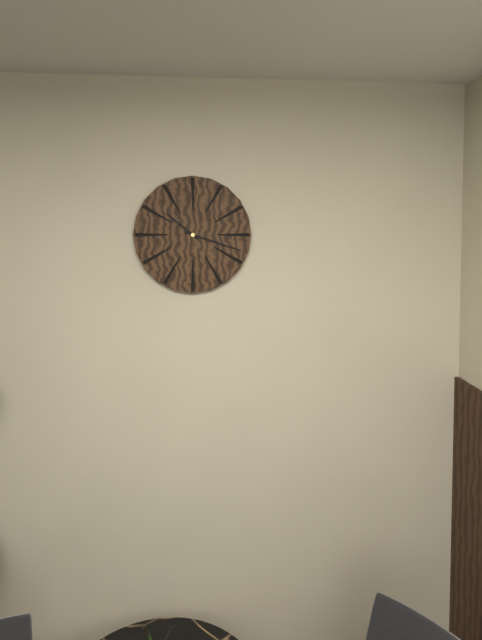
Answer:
h=10 m=18
